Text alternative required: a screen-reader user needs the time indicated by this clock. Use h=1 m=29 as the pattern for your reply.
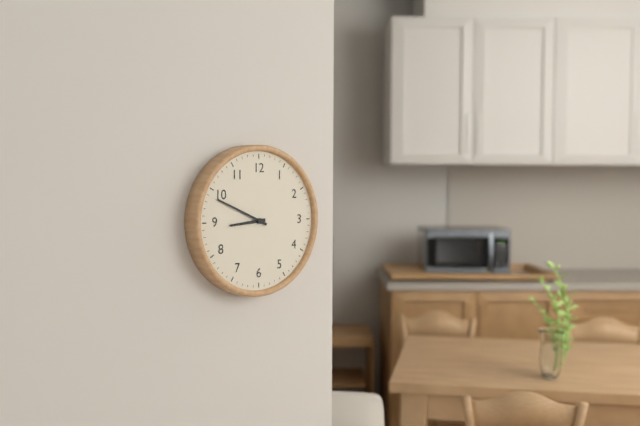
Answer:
h=8 m=49
